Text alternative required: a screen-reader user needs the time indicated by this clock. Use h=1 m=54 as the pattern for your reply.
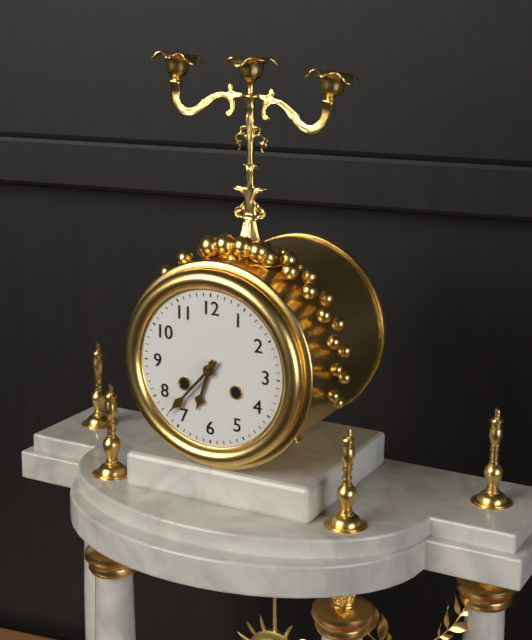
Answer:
h=6 m=37
